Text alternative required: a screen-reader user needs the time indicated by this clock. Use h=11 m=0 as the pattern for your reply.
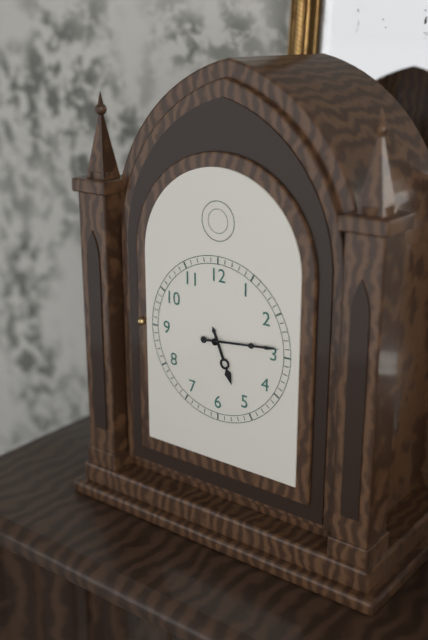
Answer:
h=5 m=14
